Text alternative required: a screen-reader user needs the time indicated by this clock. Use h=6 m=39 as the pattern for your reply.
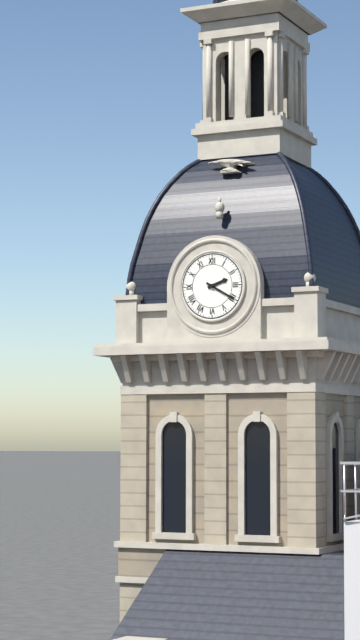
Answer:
h=2 m=20
